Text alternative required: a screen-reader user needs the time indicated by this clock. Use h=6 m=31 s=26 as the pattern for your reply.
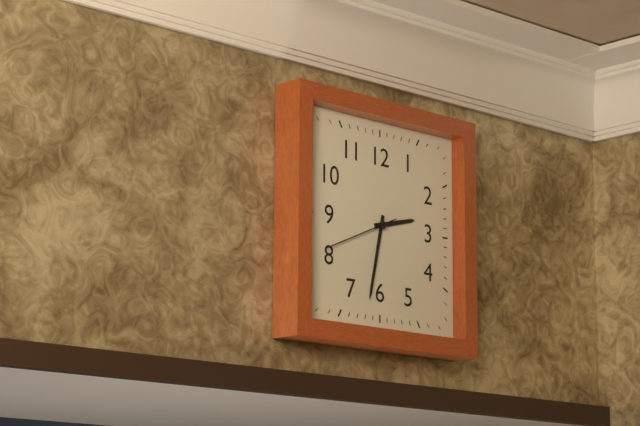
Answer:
h=2 m=32 s=41
